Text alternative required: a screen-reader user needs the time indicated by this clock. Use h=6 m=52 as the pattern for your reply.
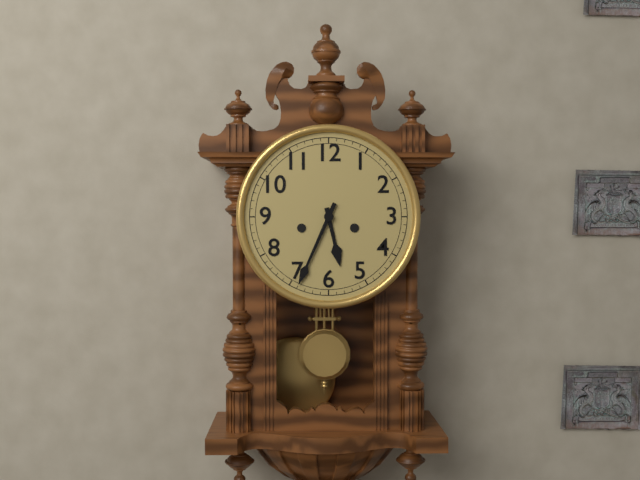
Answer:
h=5 m=34
